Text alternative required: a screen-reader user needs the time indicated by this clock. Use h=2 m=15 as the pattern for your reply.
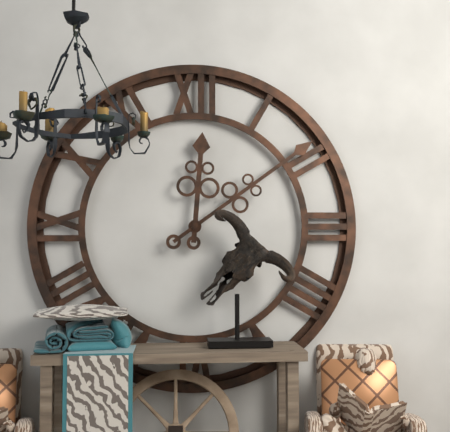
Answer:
h=12 m=9
